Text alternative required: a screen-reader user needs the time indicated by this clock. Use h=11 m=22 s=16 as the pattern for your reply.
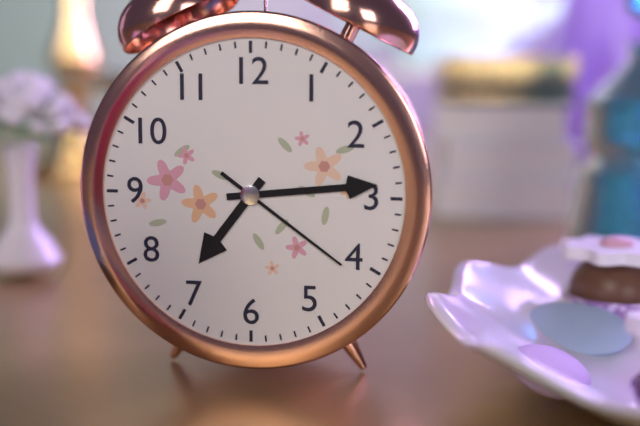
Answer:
h=7 m=14 s=21
